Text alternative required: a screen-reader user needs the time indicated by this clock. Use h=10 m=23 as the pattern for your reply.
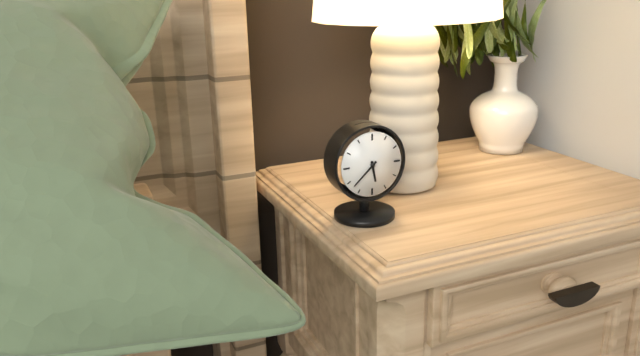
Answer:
h=5 m=38
